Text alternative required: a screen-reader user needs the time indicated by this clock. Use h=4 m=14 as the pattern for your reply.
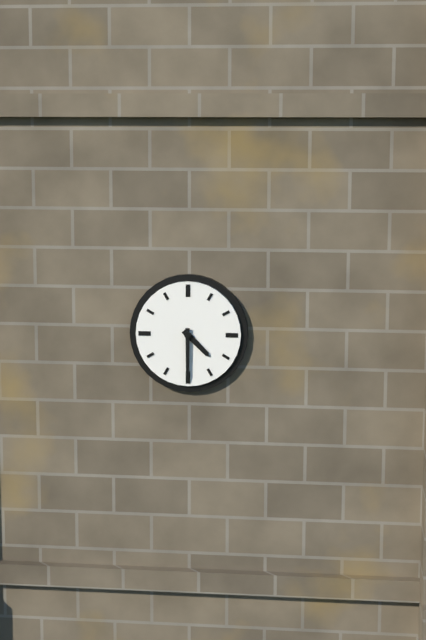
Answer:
h=4 m=30
